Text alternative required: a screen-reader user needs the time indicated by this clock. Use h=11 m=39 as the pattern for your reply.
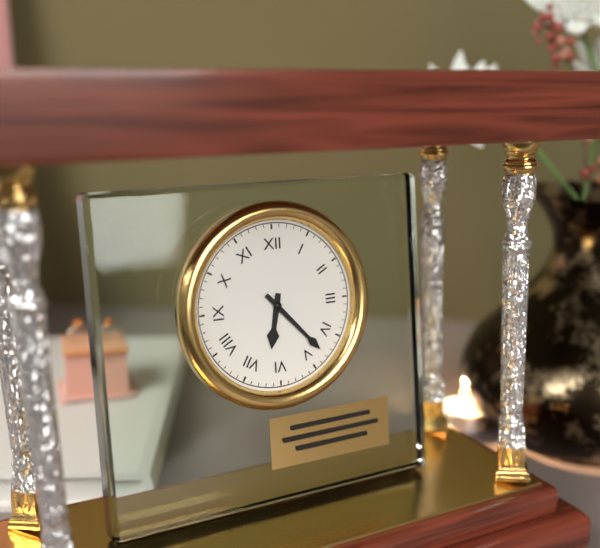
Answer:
h=6 m=23
